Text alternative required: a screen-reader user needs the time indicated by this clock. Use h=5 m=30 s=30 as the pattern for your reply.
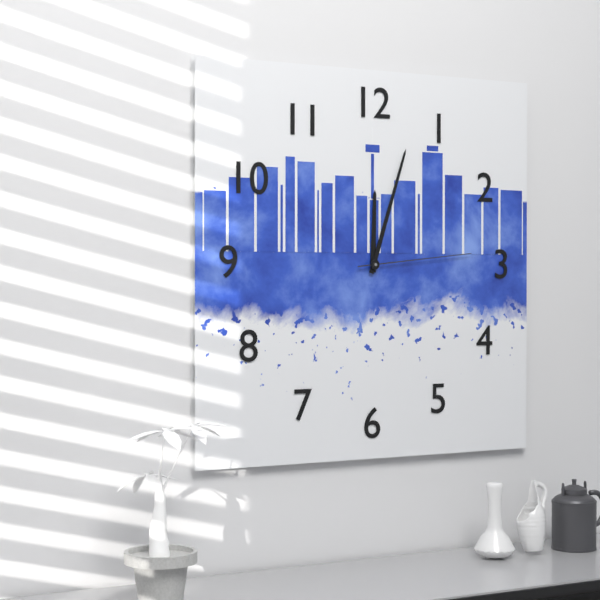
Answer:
h=12 m=3 s=14
